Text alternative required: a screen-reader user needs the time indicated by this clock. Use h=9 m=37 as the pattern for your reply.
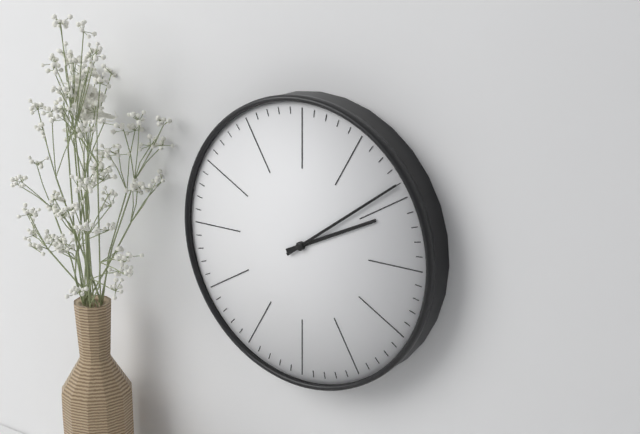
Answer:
h=2 m=9
